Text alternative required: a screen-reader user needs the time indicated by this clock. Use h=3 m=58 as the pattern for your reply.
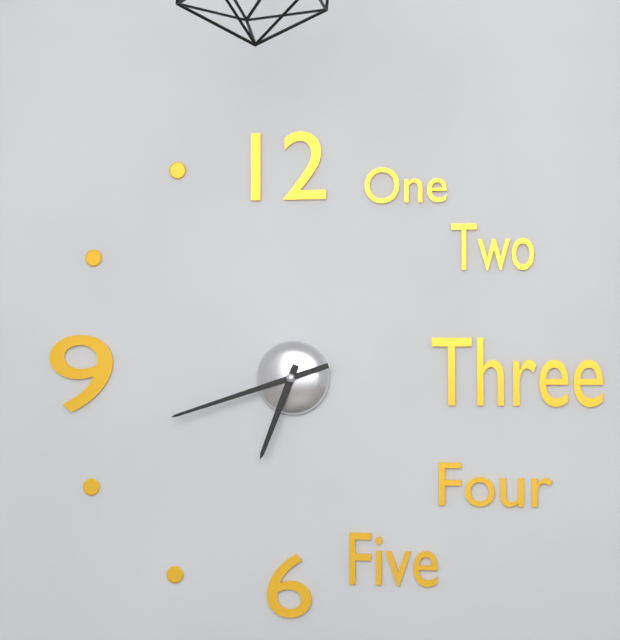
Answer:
h=6 m=42
